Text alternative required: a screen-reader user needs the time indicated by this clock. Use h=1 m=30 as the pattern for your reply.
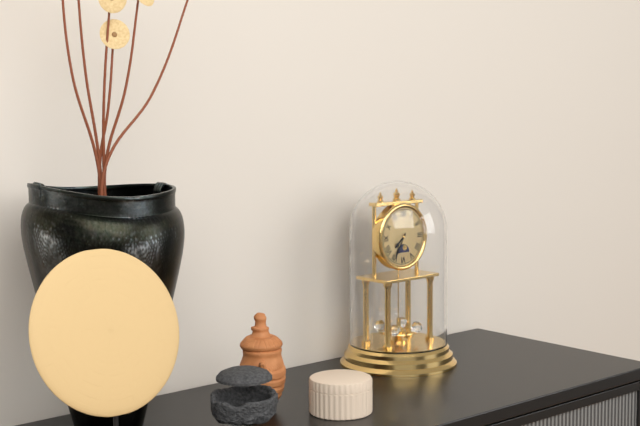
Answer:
h=7 m=35
